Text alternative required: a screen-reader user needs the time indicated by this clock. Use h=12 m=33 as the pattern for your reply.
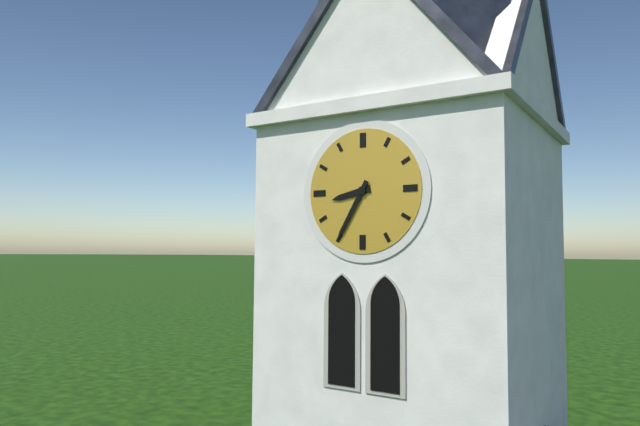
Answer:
h=8 m=35
